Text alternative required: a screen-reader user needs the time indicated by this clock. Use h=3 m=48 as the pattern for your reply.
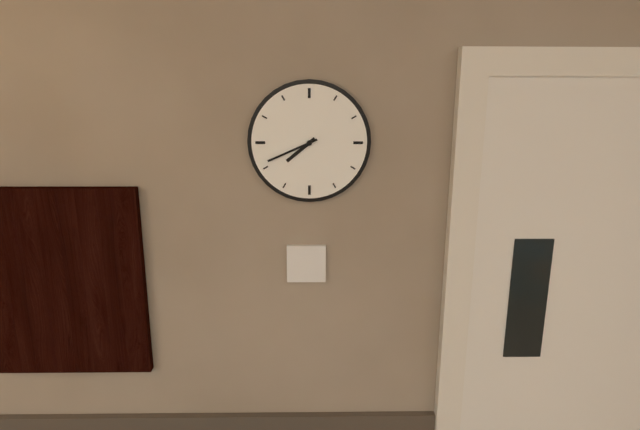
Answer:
h=7 m=41
